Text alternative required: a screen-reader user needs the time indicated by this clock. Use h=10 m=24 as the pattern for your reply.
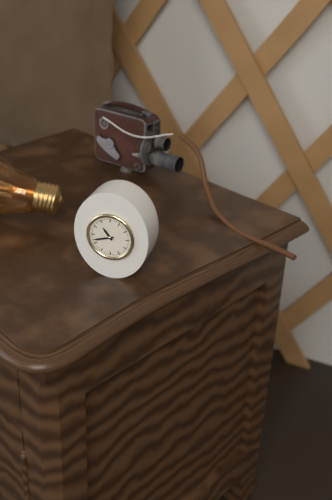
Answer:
h=10 m=42
